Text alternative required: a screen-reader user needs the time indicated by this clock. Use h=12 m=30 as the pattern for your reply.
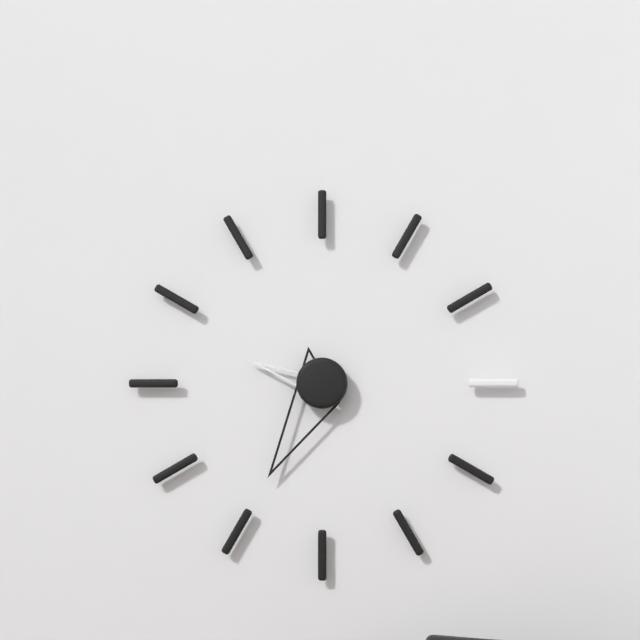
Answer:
h=9 m=35
